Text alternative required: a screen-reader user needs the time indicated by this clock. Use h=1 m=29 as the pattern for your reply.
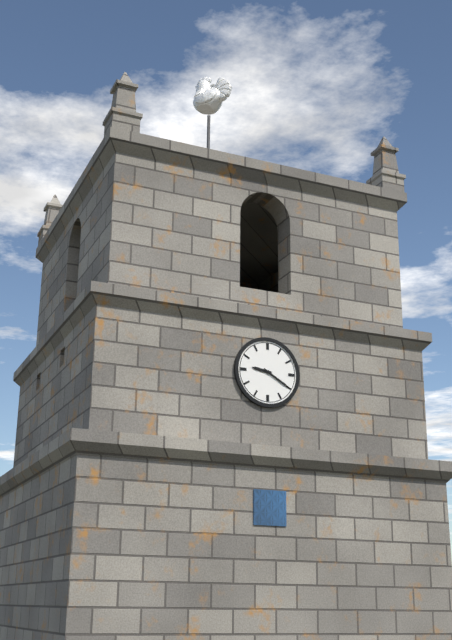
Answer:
h=9 m=20
